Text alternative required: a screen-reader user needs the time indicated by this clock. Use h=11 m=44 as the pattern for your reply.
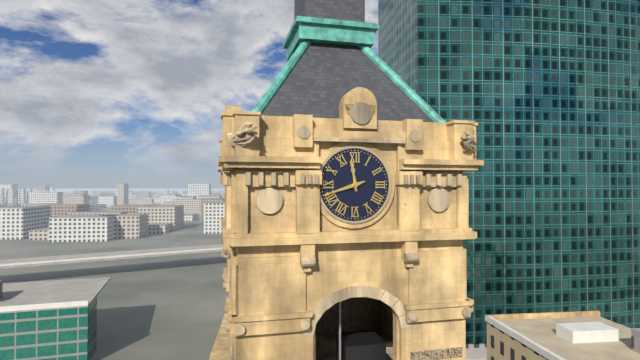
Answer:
h=11 m=42
